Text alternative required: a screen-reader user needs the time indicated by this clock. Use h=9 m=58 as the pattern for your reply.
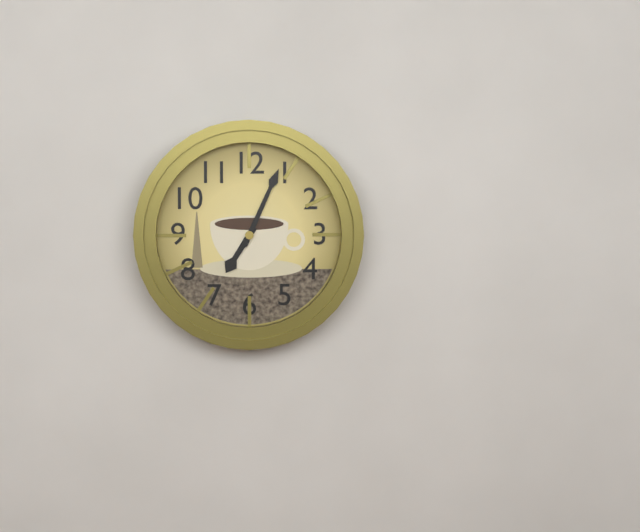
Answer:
h=7 m=4
